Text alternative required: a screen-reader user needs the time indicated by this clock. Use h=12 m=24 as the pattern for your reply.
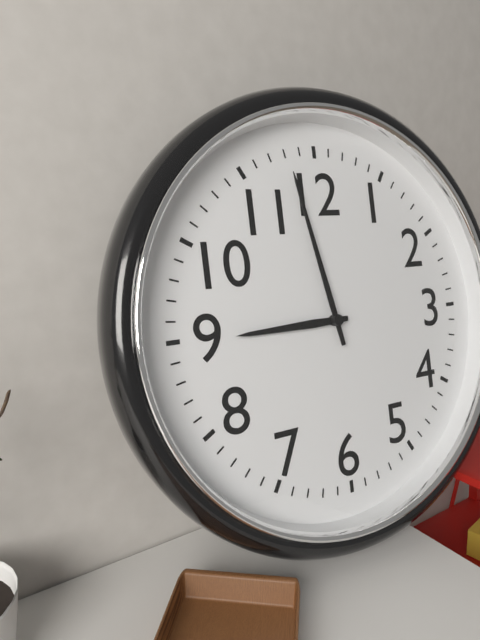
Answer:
h=8 m=58
